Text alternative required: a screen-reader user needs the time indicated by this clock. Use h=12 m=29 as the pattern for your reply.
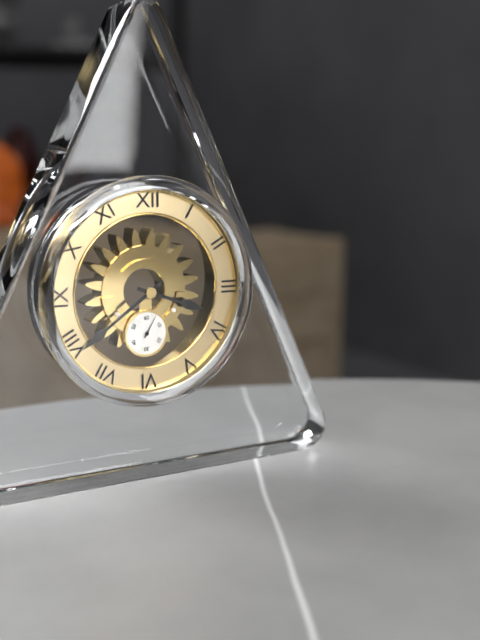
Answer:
h=3 m=39
